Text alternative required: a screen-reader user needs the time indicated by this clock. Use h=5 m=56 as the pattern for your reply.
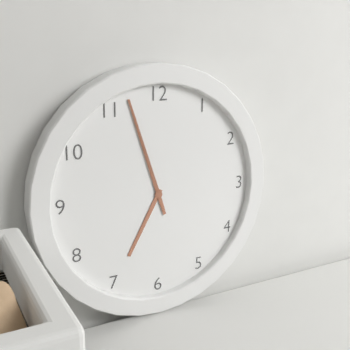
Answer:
h=6 m=57
